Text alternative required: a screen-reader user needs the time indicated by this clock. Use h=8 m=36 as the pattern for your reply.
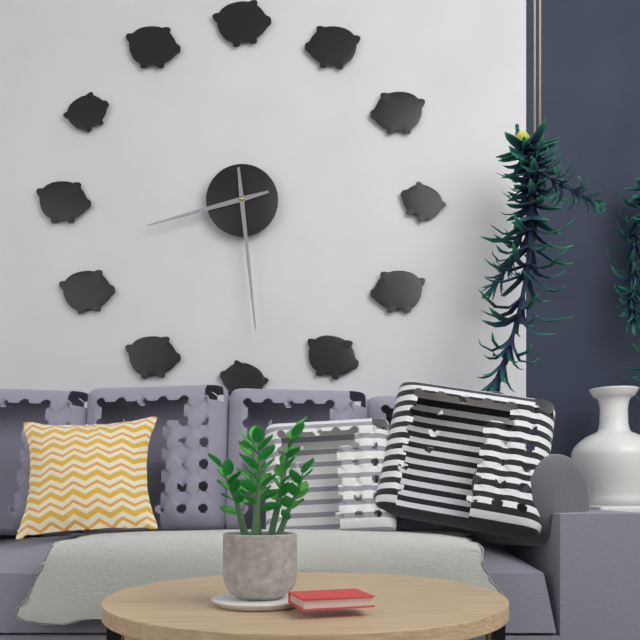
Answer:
h=8 m=29
